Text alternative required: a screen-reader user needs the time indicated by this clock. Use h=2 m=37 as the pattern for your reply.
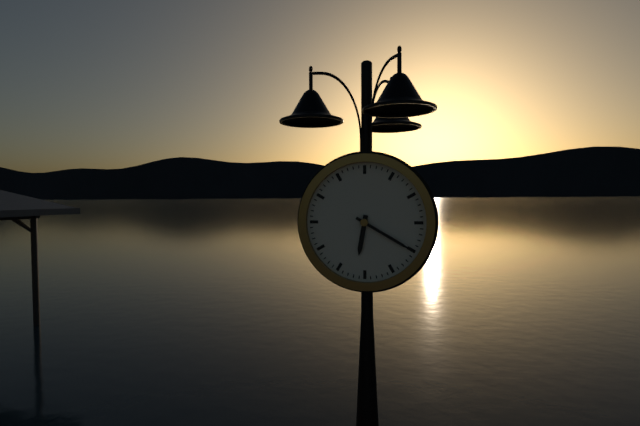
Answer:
h=6 m=20
